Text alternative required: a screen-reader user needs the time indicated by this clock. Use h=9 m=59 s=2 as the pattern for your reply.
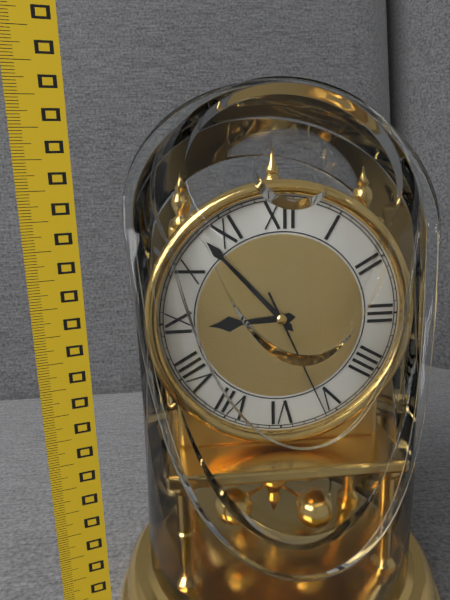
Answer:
h=8 m=53 s=26
